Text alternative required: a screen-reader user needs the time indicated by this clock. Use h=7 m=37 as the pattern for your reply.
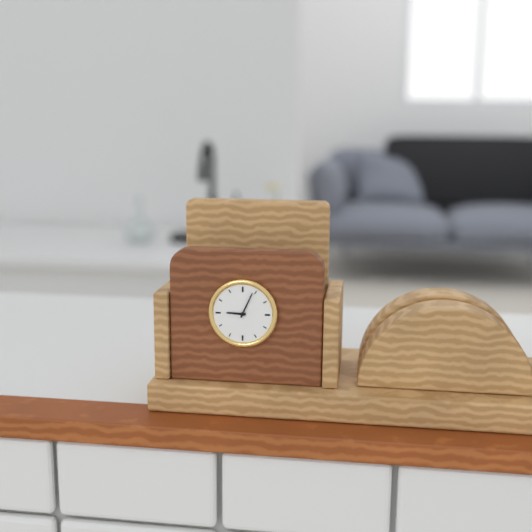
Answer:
h=9 m=4
